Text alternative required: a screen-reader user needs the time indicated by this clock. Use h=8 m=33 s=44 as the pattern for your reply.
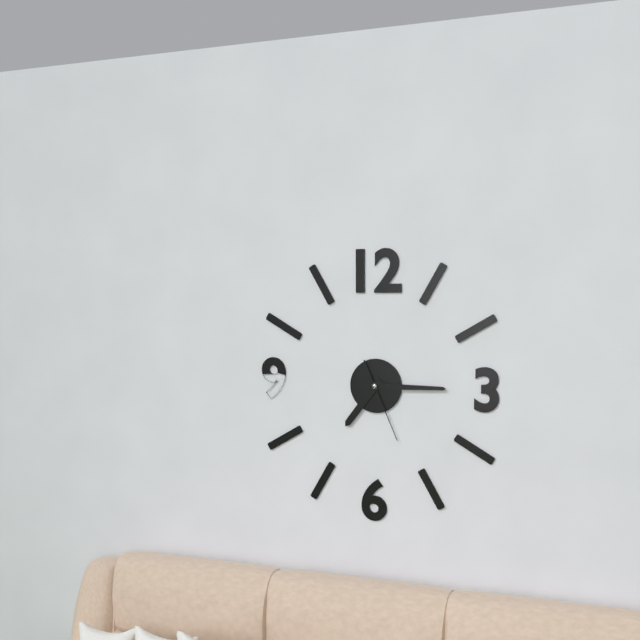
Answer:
h=7 m=15 s=26
